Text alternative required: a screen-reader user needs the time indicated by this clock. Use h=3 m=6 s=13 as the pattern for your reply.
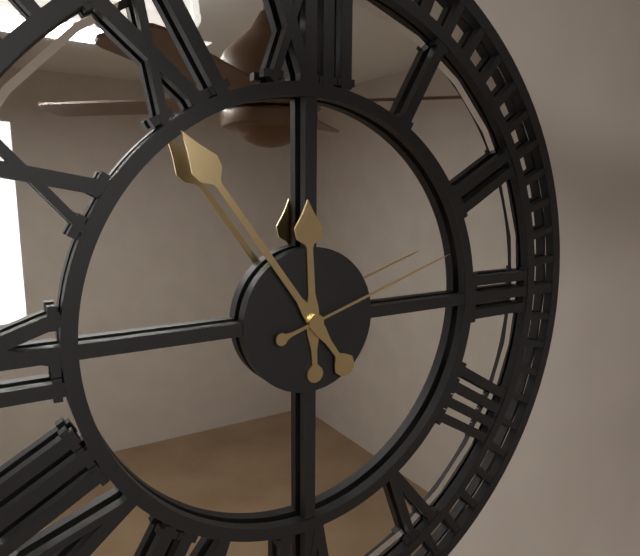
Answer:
h=11 m=54 s=12
